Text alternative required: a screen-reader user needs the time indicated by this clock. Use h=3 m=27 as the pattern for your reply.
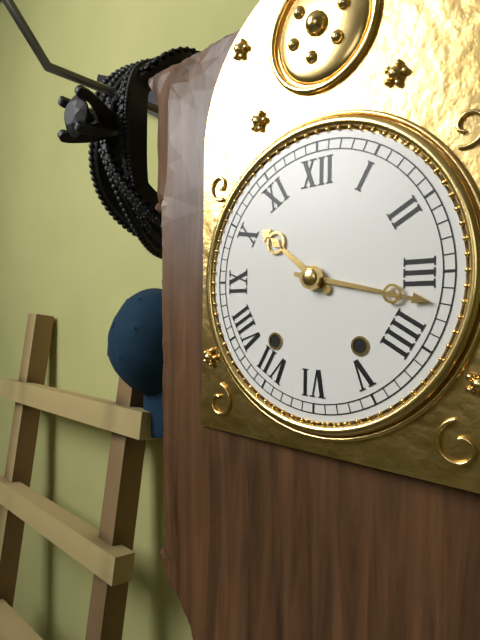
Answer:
h=10 m=17
